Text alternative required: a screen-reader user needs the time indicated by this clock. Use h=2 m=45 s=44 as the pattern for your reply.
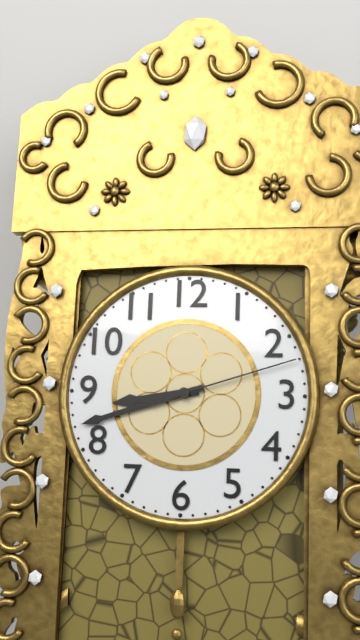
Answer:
h=8 m=42 s=12
